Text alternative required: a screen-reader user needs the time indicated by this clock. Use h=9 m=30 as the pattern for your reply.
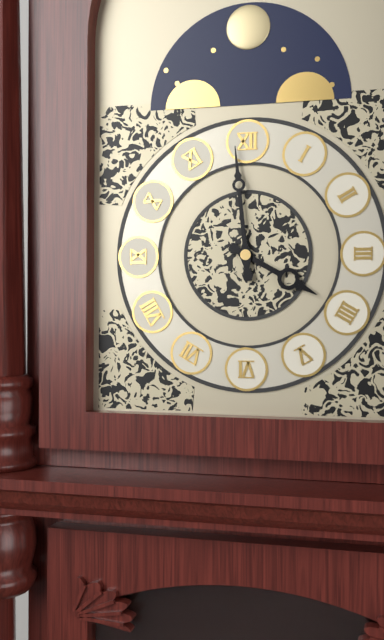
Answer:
h=3 m=59
